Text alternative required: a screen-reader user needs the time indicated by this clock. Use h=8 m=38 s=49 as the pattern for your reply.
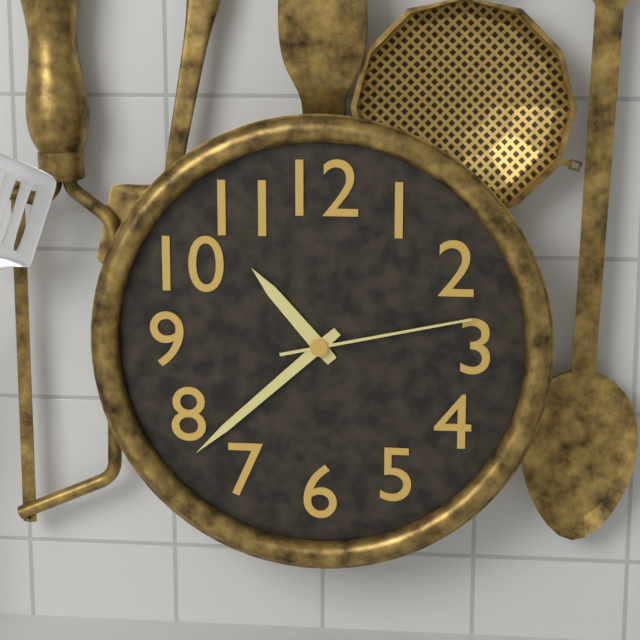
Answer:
h=10 m=38 s=13
